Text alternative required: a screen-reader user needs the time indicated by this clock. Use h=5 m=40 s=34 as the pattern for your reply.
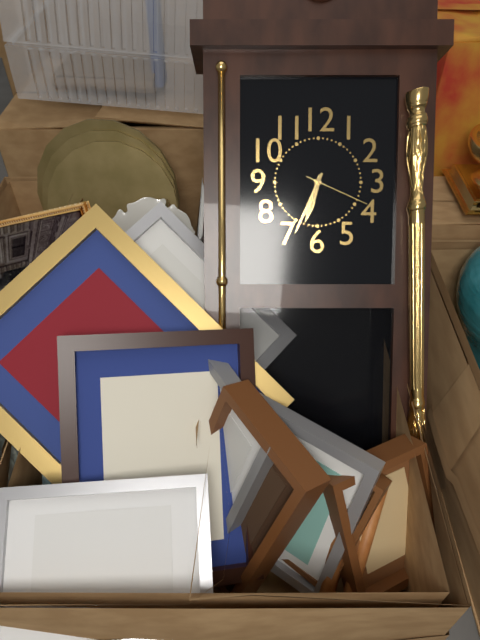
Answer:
h=6 m=34 s=19
